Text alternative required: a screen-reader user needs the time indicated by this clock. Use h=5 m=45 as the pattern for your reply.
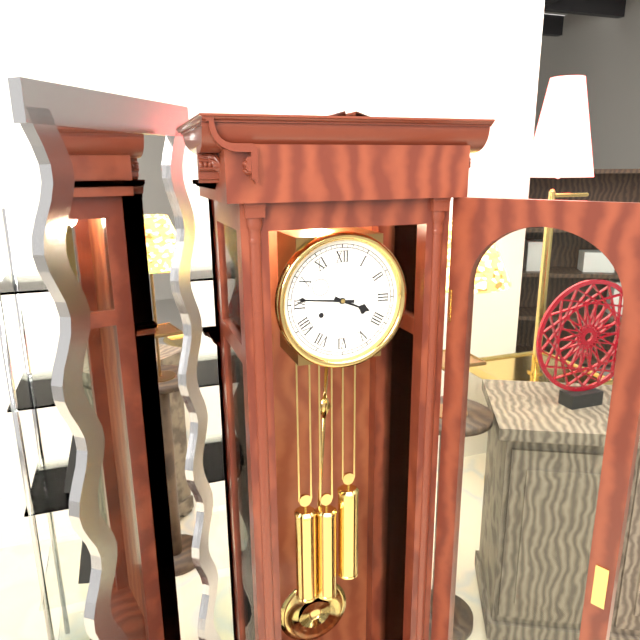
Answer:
h=3 m=46
